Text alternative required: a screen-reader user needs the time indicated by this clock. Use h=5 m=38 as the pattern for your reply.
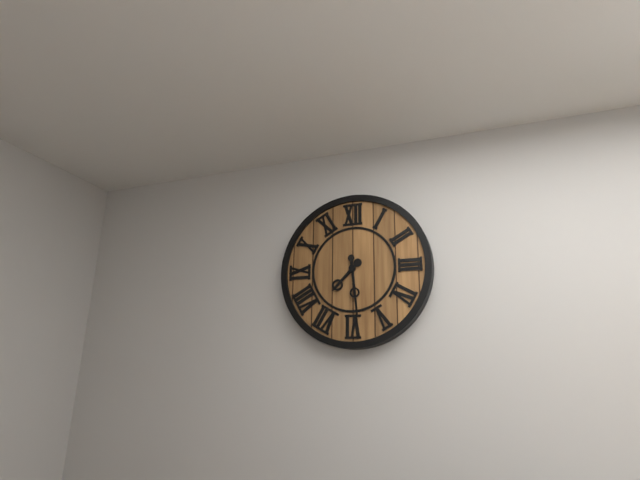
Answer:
h=7 m=29
